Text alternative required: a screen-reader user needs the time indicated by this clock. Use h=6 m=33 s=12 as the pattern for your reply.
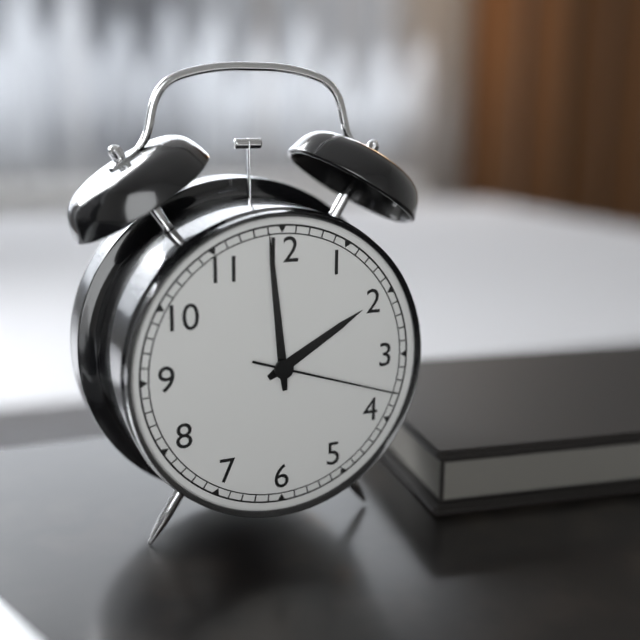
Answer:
h=1 m=59 s=18
